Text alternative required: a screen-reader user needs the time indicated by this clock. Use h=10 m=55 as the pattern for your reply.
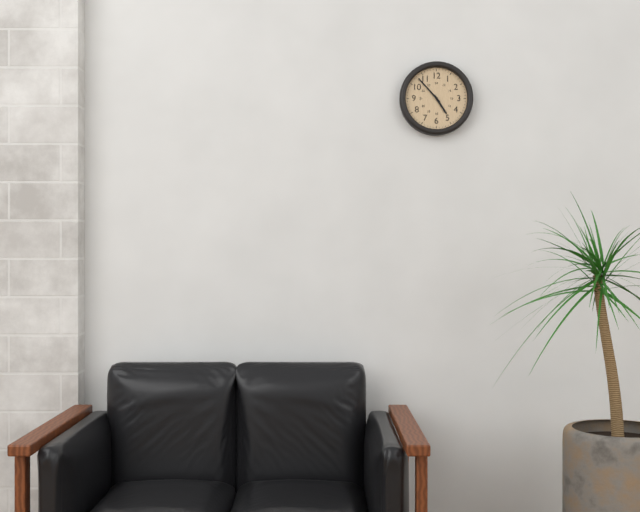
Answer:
h=4 m=53
